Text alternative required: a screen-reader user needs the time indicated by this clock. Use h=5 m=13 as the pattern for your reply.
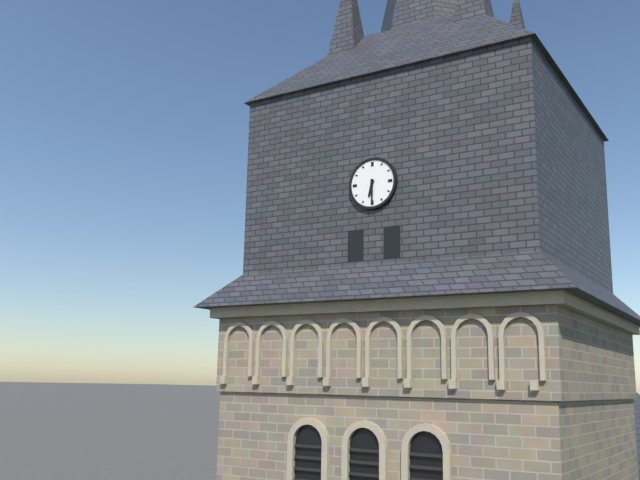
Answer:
h=6 m=30
